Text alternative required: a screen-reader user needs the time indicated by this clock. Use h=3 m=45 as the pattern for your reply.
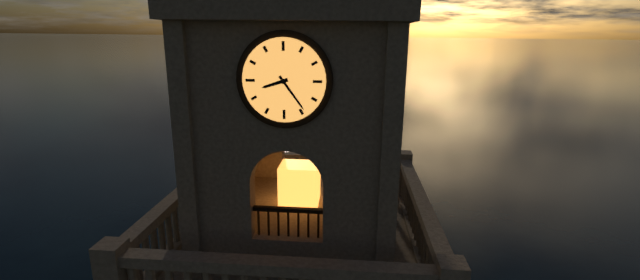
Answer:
h=8 m=24
